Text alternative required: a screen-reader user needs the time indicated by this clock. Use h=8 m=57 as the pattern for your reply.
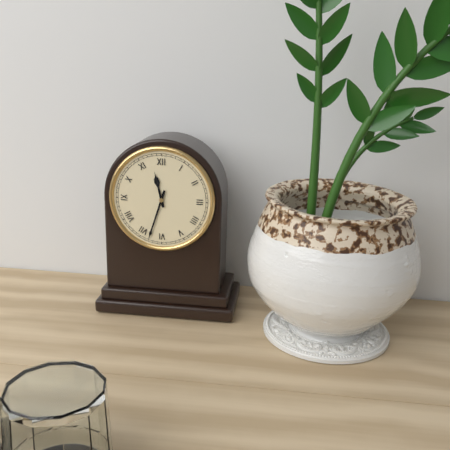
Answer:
h=11 m=33
